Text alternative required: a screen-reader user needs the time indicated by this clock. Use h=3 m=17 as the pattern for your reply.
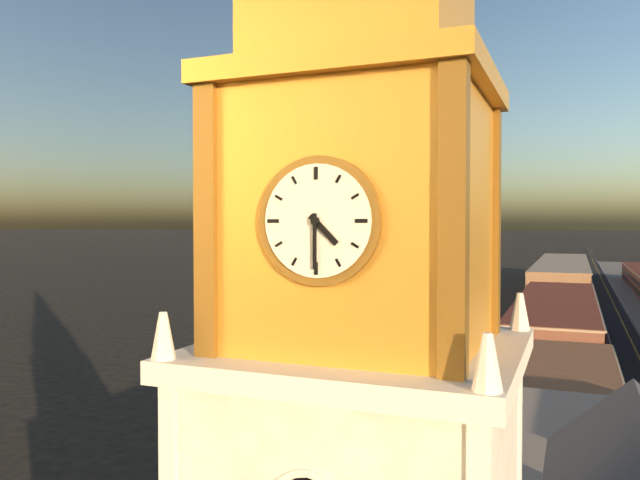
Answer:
h=4 m=30
